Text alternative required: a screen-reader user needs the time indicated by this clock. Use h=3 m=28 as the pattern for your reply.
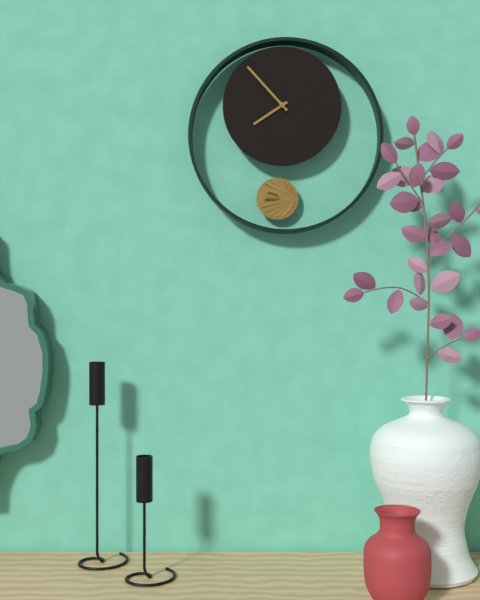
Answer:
h=7 m=53
